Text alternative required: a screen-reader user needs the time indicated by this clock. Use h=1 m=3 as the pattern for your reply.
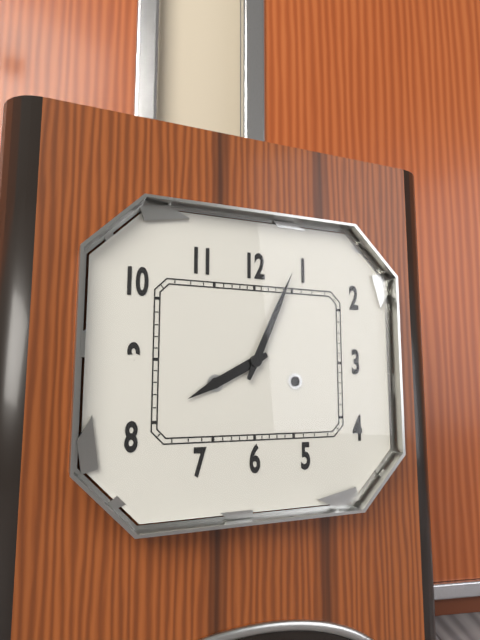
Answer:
h=8 m=4
